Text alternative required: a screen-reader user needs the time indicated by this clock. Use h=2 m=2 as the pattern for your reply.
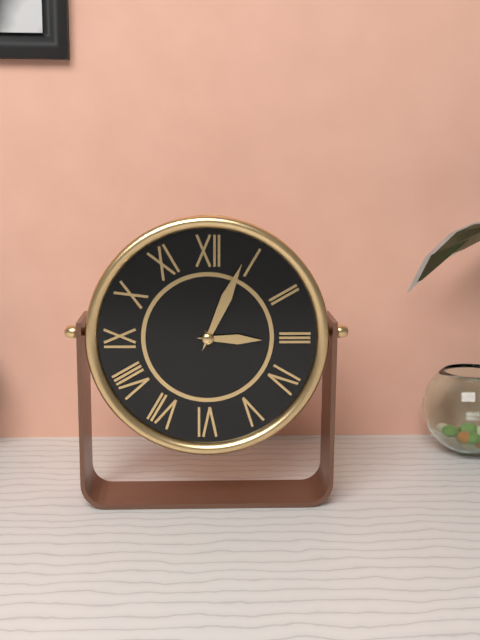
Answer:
h=3 m=4
